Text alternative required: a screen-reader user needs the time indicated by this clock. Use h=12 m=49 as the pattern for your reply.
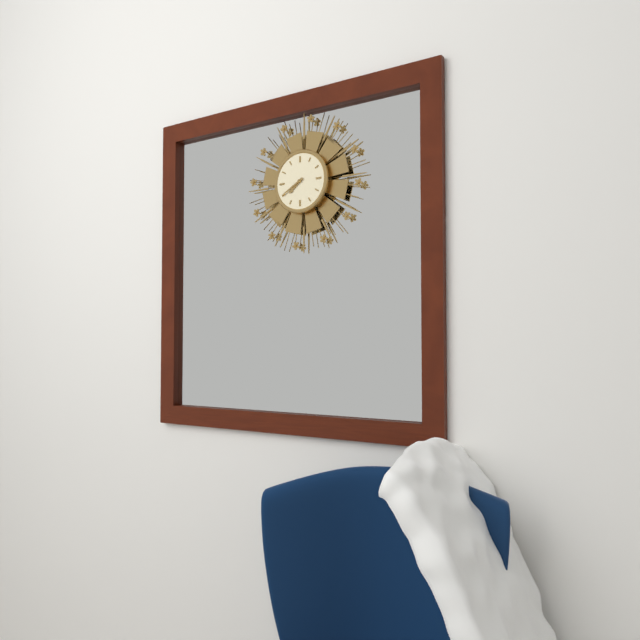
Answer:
h=7 m=40
